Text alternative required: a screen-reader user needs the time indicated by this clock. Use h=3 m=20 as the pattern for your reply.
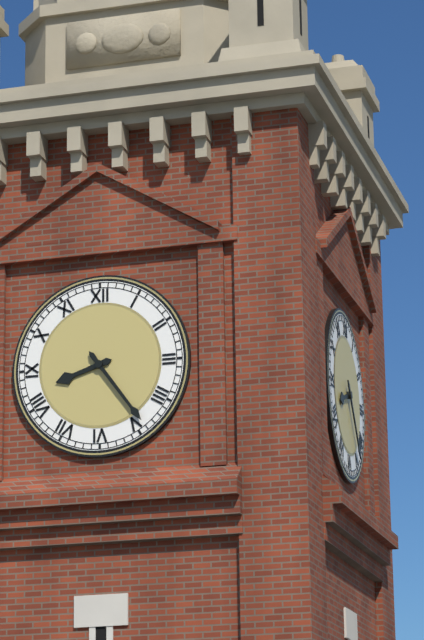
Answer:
h=8 m=24
